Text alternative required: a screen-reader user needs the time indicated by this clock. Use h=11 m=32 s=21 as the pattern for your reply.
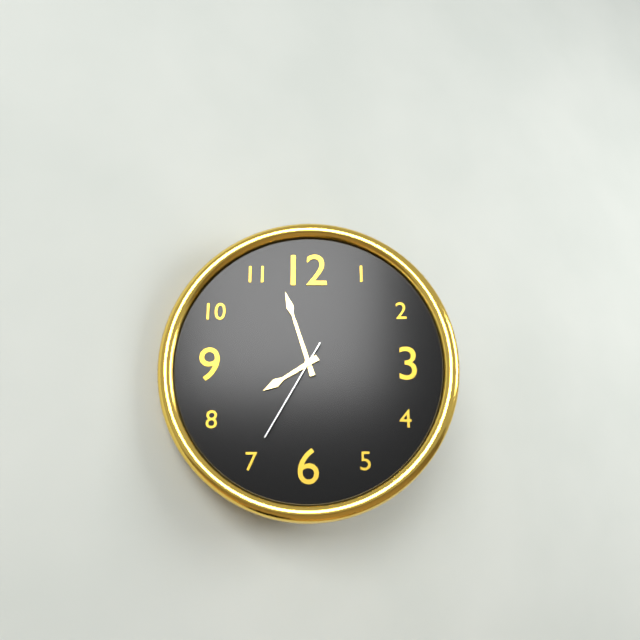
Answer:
h=7 m=57 s=35
